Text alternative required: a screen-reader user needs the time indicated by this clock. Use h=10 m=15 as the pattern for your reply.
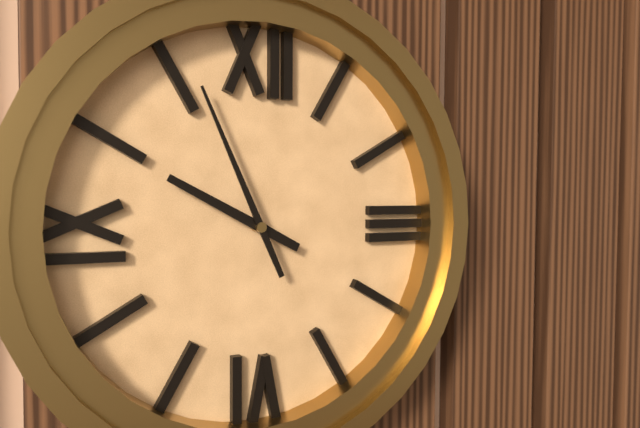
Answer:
h=9 m=56
